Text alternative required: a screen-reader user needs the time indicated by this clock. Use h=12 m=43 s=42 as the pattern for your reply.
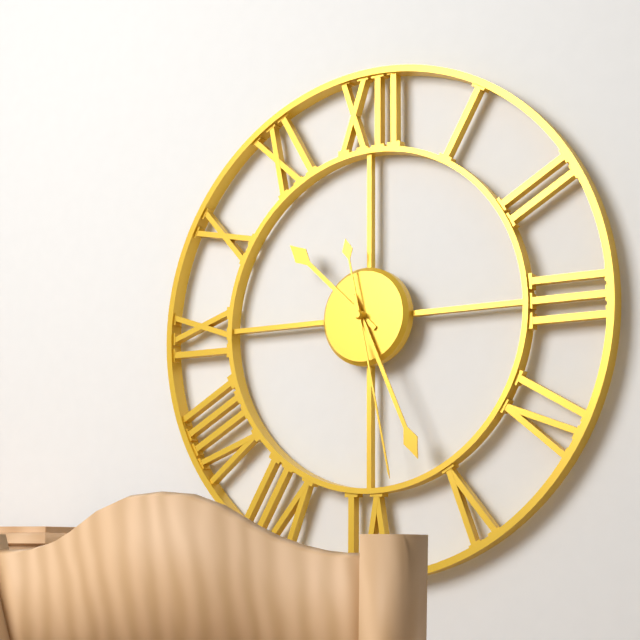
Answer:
h=10 m=26 s=28
